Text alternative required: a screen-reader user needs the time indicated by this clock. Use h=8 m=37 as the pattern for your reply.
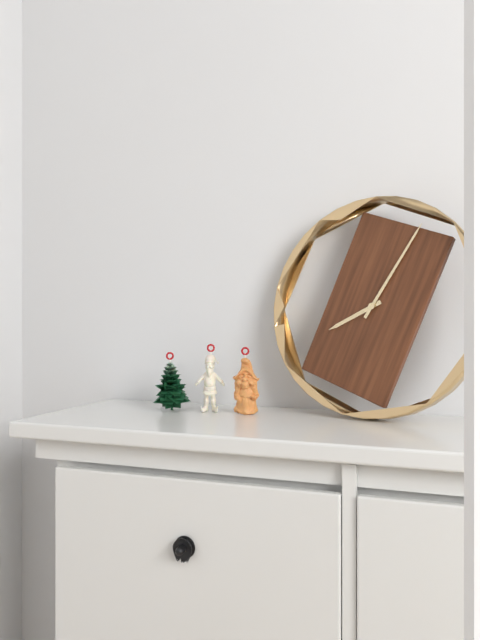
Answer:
h=8 m=5
